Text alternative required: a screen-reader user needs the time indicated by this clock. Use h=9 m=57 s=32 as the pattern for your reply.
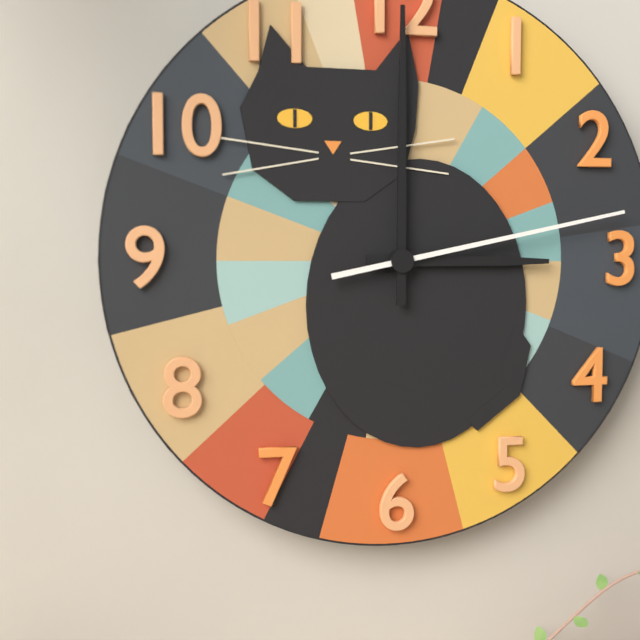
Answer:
h=3 m=0 s=13
